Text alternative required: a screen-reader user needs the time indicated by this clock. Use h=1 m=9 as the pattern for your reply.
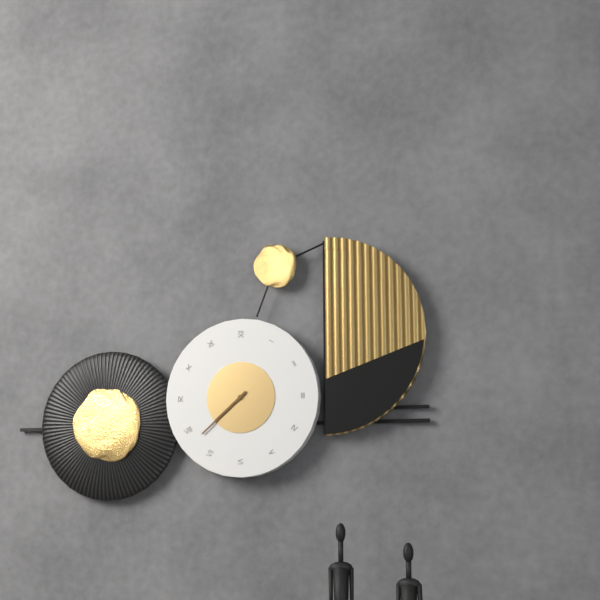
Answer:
h=7 m=38
